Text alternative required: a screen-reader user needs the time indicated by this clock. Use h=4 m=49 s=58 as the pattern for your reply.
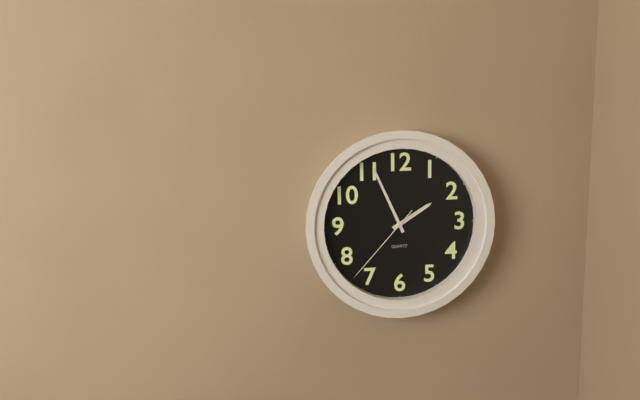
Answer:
h=1 m=56 s=37
